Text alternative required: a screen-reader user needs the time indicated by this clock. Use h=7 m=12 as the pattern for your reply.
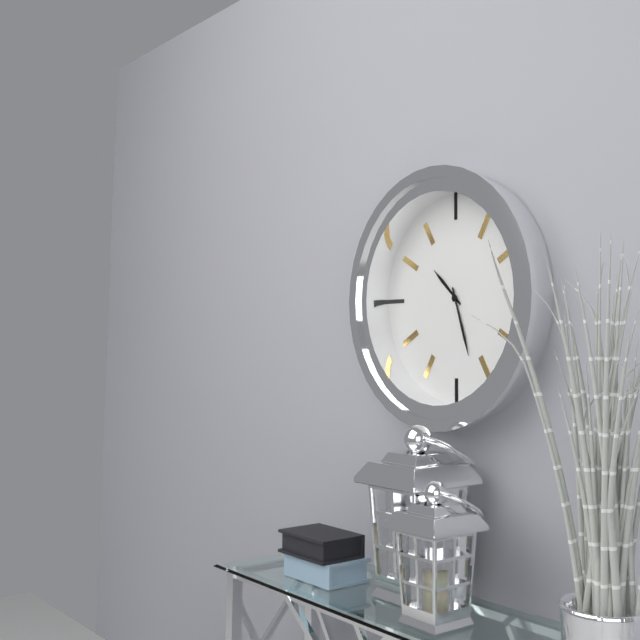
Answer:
h=10 m=27
